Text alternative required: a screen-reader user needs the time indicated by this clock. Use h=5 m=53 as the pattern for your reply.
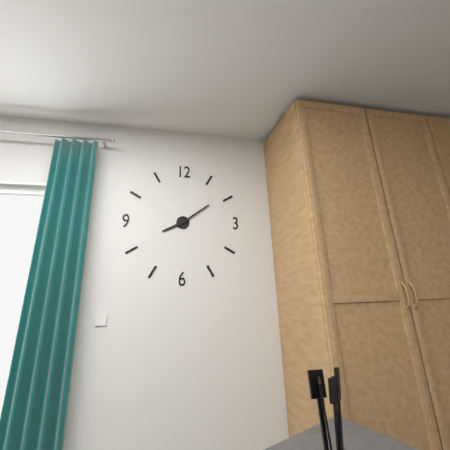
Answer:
h=8 m=9
